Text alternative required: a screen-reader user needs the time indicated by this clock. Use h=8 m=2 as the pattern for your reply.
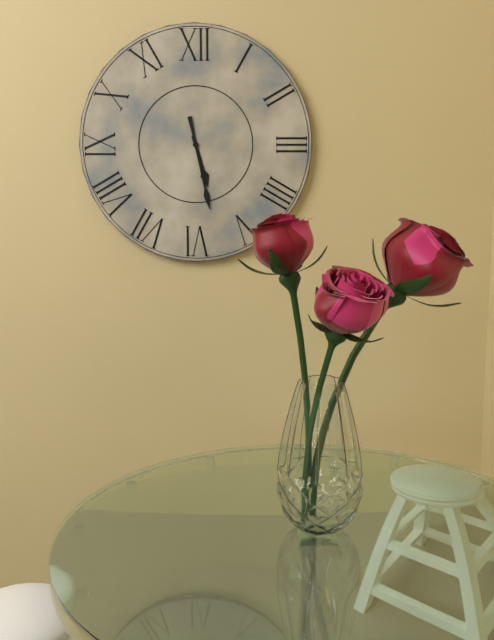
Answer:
h=5 m=28
